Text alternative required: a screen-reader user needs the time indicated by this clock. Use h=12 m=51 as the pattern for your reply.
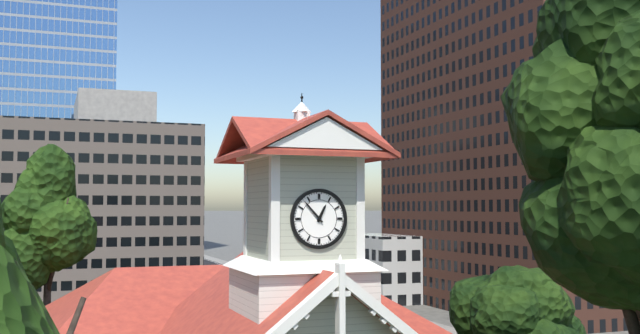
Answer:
h=12 m=53
